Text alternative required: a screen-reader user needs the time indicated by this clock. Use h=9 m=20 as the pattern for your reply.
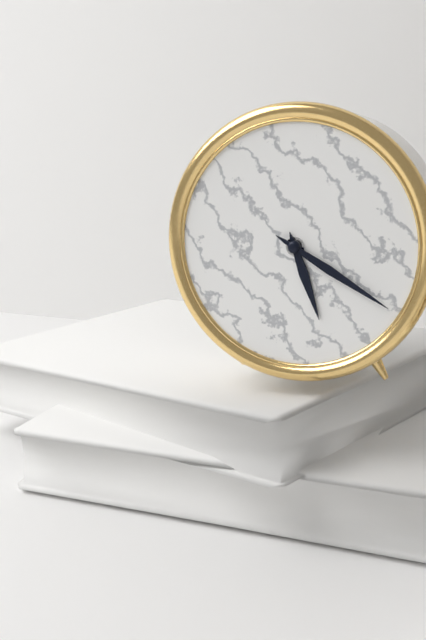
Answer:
h=5 m=20
